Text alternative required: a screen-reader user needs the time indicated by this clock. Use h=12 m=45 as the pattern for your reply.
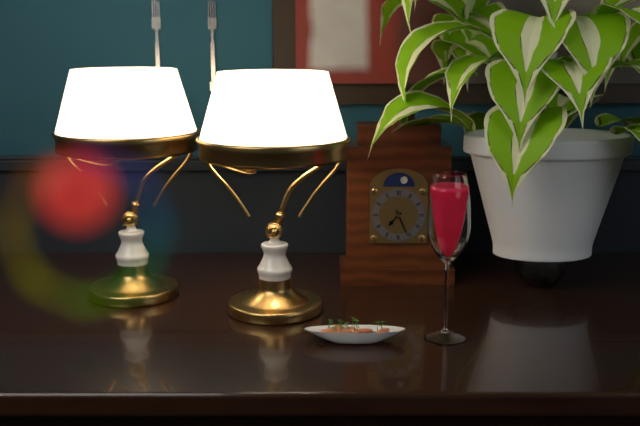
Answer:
h=7 m=26
